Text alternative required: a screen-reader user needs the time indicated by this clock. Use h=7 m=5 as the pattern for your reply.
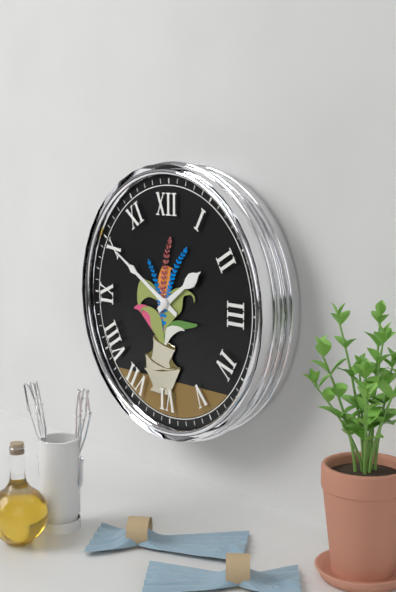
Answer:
h=1 m=50
